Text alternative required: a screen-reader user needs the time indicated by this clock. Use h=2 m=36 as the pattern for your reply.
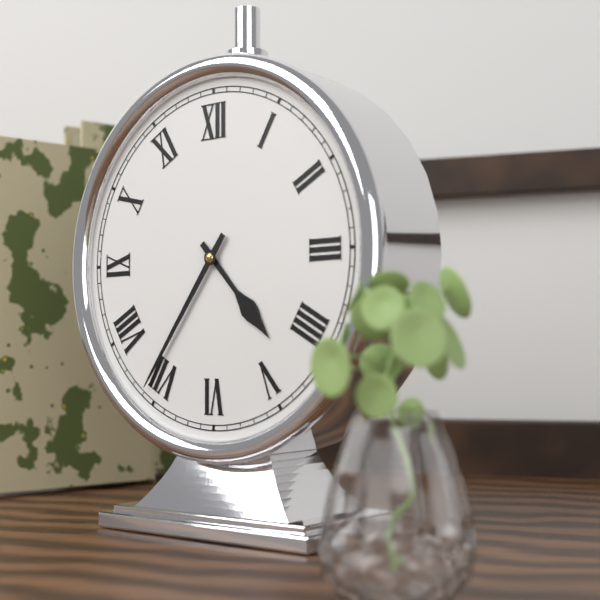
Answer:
h=4 m=36
